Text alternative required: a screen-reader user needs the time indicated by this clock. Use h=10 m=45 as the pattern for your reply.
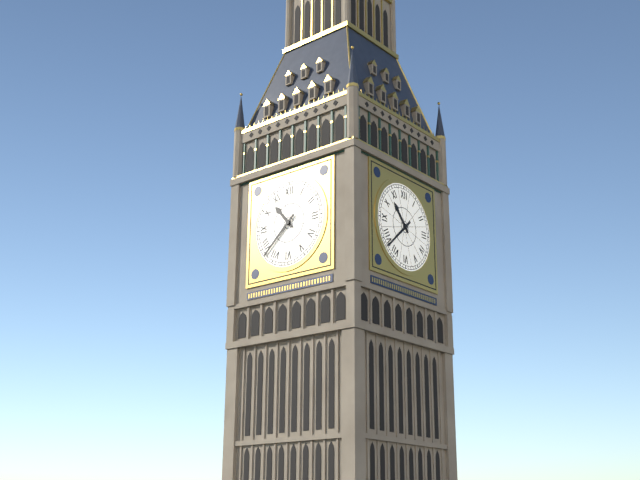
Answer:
h=10 m=38
